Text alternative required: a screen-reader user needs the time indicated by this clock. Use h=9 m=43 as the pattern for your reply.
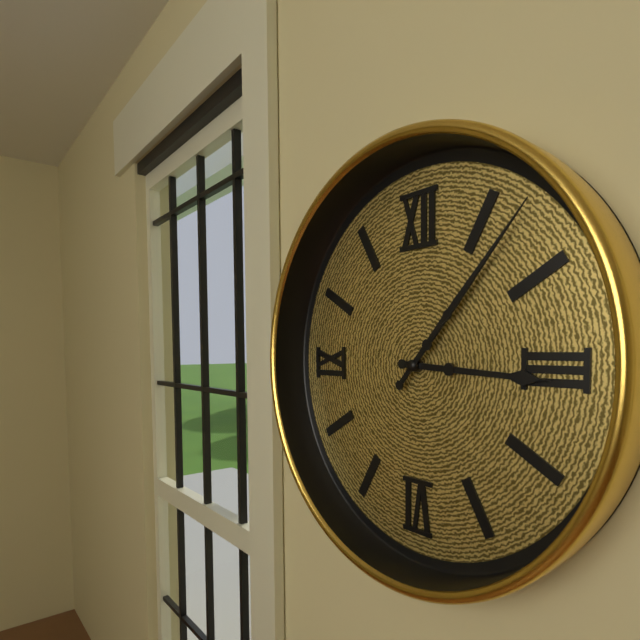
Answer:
h=3 m=7
